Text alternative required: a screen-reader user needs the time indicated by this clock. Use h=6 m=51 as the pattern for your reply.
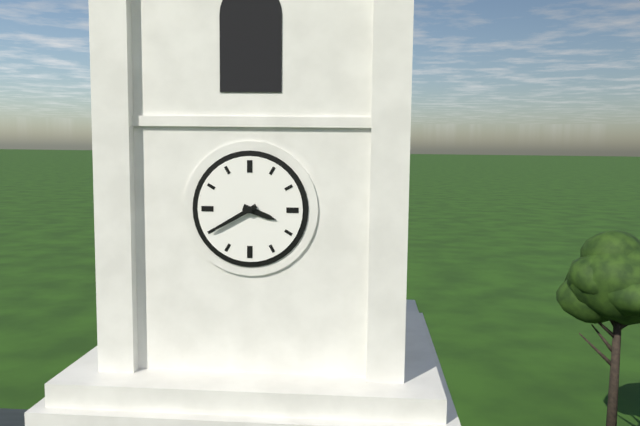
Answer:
h=3 m=40
